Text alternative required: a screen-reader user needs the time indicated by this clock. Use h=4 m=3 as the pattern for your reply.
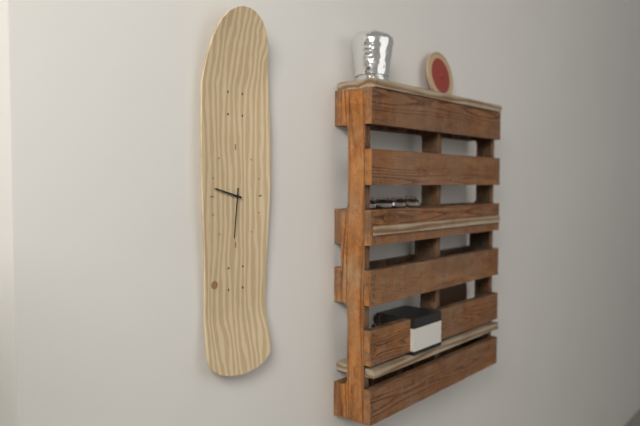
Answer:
h=9 m=31
